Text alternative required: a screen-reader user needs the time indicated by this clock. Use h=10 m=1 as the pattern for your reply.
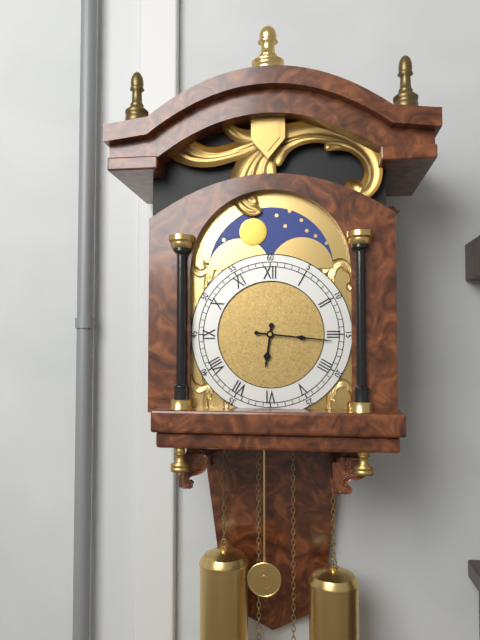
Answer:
h=6 m=16
